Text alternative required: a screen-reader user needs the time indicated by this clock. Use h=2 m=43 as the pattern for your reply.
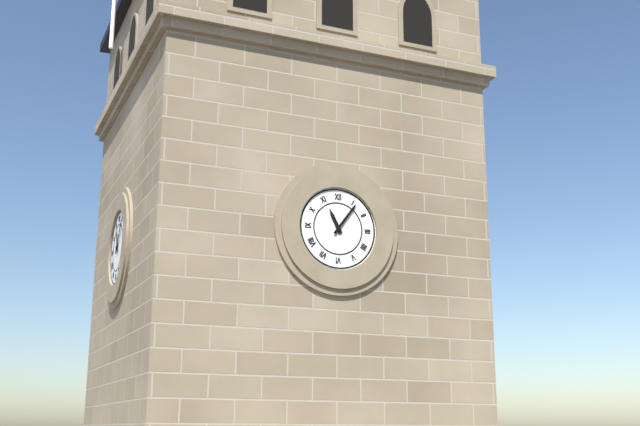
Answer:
h=11 m=6
